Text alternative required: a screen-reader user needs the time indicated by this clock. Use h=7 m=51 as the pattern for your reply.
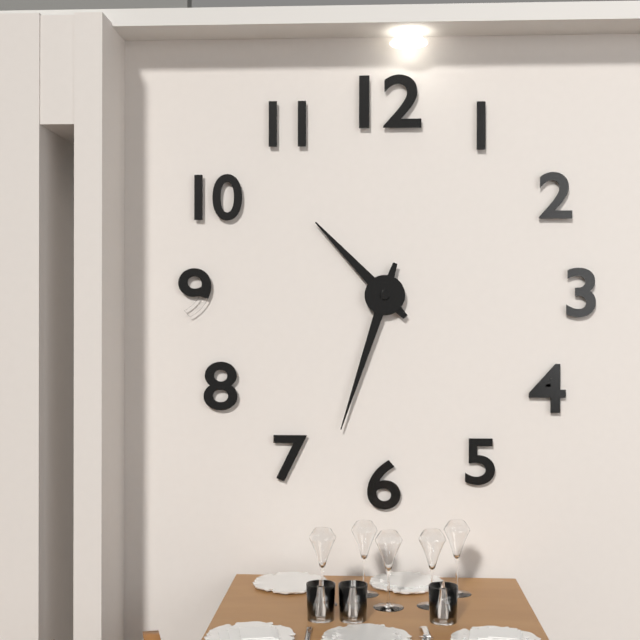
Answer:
h=10 m=33
